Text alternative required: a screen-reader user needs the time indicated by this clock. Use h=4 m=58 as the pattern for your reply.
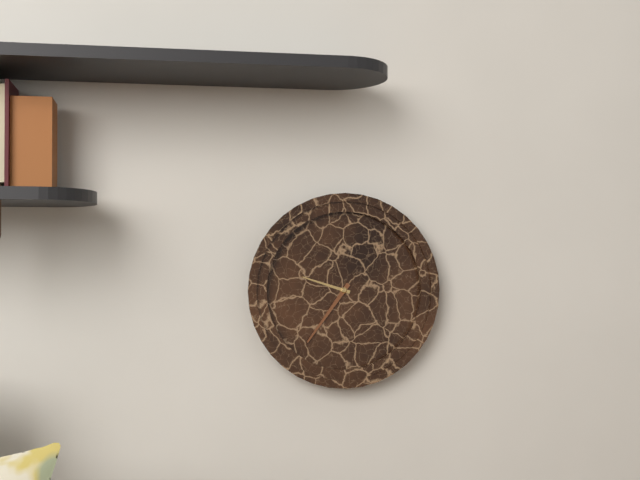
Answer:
h=9 m=36
